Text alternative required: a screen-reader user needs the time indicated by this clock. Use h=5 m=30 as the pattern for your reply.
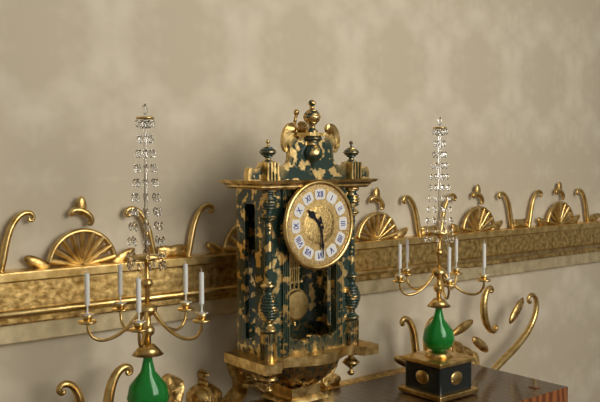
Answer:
h=10 m=29
